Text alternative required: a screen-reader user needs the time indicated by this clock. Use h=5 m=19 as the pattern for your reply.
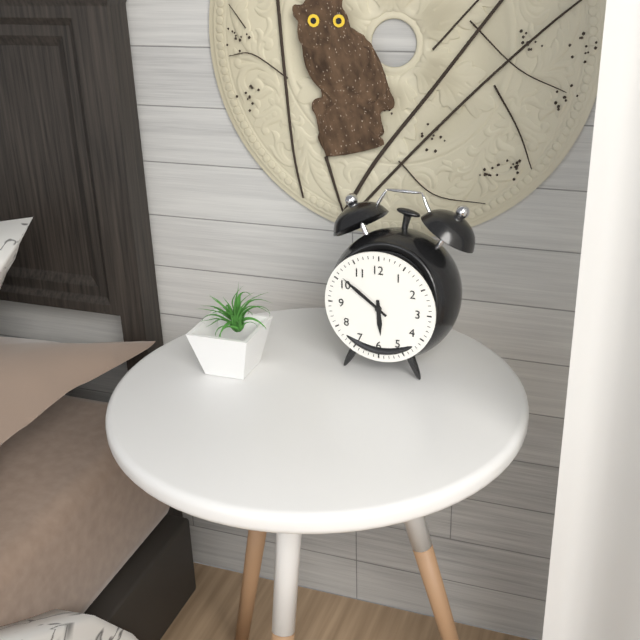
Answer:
h=5 m=51
